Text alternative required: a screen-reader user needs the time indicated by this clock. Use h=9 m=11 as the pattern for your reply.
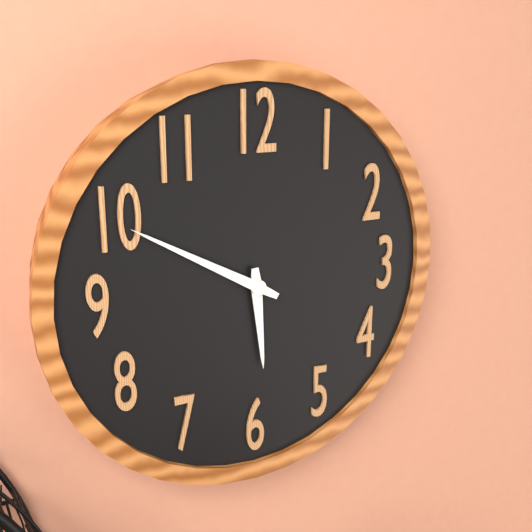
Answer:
h=5 m=50
